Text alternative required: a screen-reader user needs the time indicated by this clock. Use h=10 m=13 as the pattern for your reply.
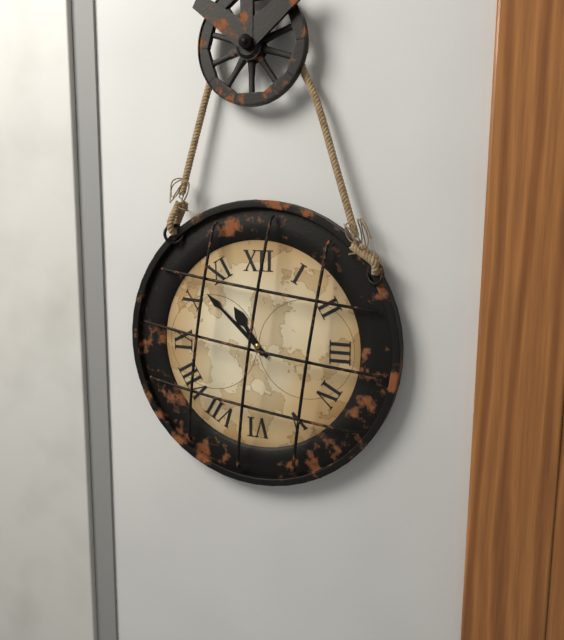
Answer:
h=10 m=52
